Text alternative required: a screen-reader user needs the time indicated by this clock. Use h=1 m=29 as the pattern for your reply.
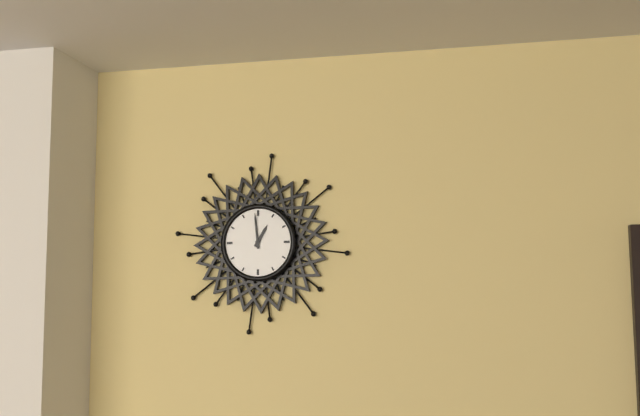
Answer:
h=12 m=59
